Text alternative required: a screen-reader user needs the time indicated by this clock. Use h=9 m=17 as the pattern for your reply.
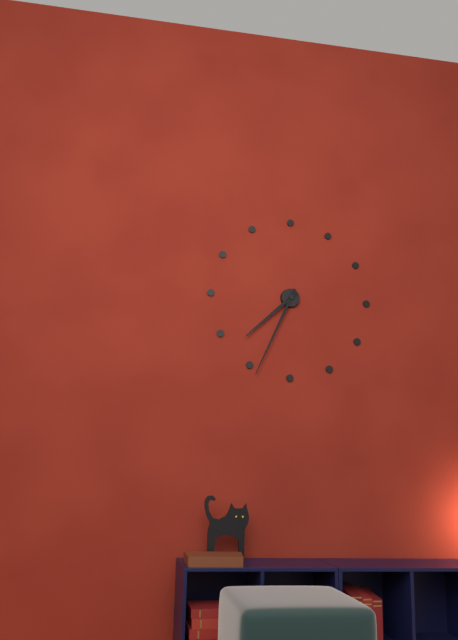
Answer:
h=7 m=34
